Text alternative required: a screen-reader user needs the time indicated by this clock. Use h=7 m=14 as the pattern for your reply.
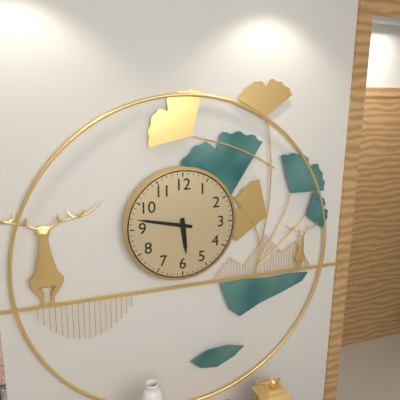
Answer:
h=5 m=47
